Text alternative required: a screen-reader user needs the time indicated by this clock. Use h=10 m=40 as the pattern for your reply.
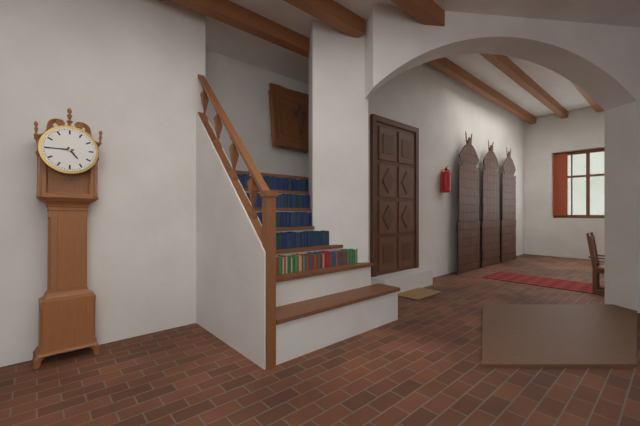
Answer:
h=4 m=45
